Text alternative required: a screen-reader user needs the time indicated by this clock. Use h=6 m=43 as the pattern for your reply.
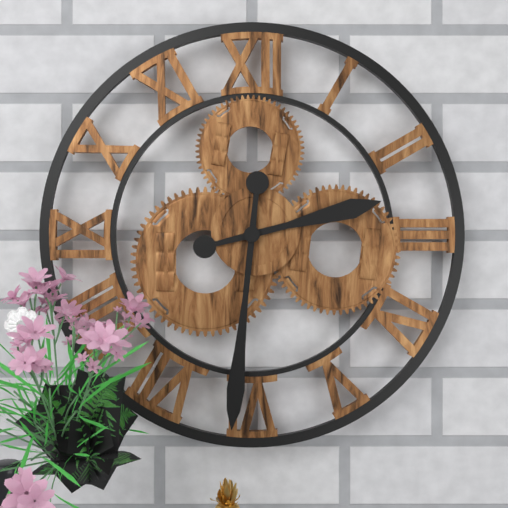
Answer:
h=2 m=31
